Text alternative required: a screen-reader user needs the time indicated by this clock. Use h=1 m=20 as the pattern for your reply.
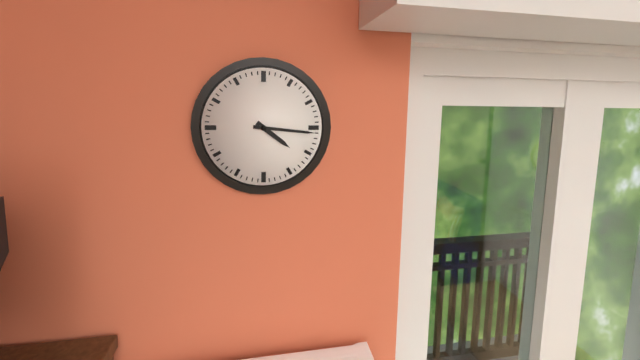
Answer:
h=4 m=16
